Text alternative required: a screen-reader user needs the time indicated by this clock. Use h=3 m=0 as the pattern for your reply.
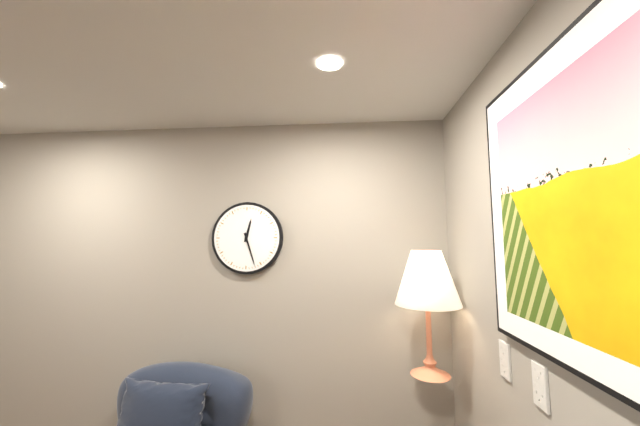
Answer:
h=12 m=27
